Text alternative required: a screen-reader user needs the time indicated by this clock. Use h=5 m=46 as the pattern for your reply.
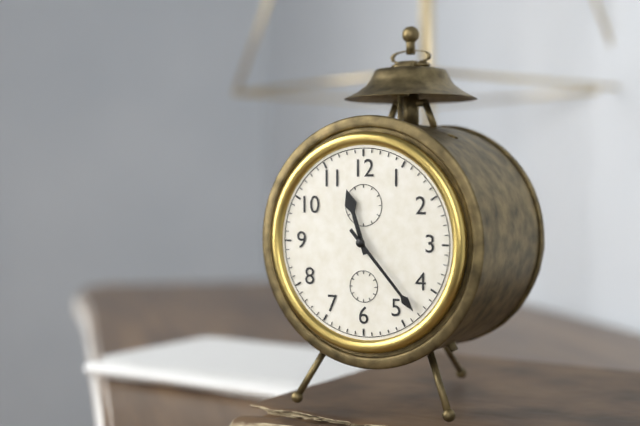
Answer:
h=11 m=23
